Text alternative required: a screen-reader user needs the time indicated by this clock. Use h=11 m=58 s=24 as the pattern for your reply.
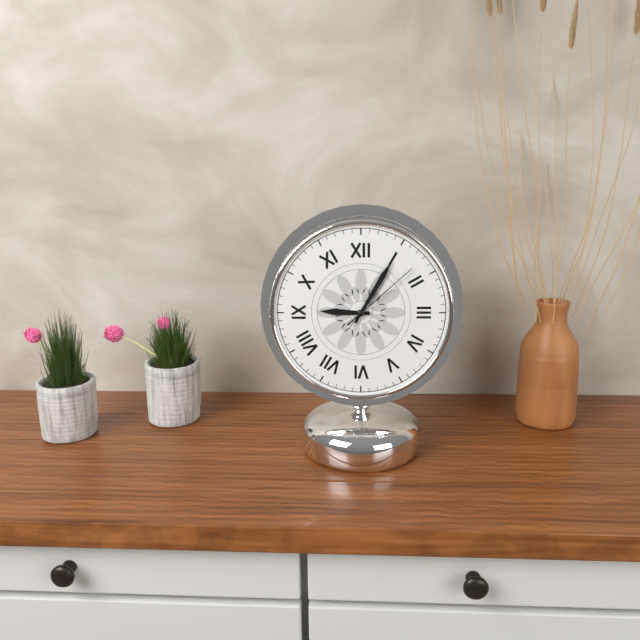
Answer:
h=9 m=5 s=8
